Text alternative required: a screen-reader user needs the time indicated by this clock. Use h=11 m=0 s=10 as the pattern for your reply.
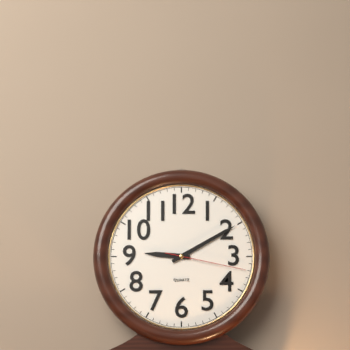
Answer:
h=9 m=10 s=17
